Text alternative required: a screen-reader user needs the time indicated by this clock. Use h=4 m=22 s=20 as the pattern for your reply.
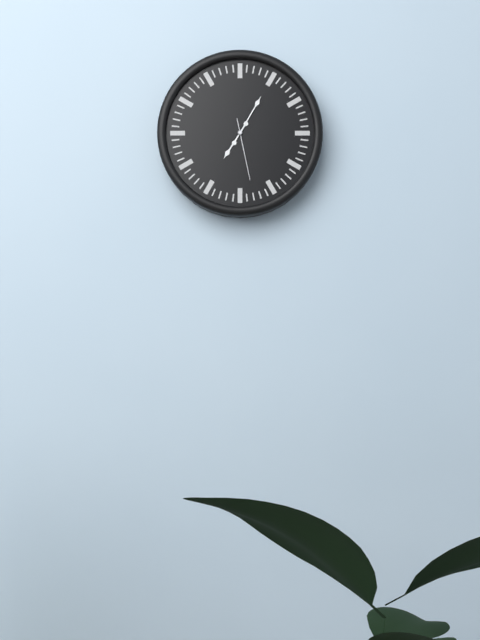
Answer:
h=7 m=5 s=28
